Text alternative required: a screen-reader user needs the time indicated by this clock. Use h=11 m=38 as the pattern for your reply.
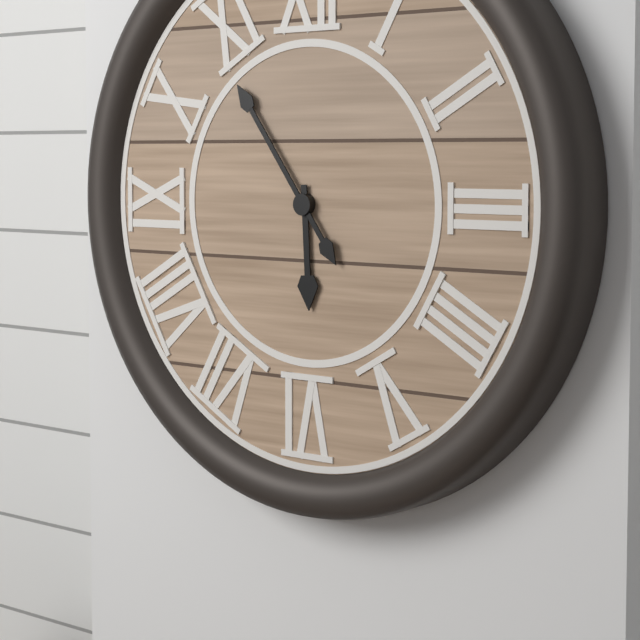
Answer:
h=5 m=54
